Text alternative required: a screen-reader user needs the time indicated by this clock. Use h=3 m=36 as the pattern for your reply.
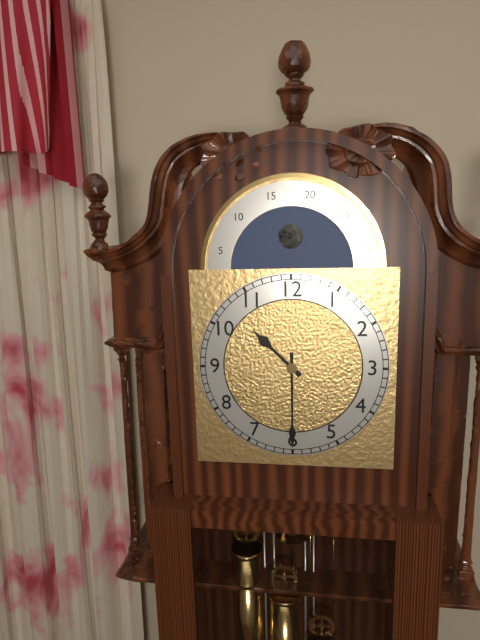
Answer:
h=10 m=30
